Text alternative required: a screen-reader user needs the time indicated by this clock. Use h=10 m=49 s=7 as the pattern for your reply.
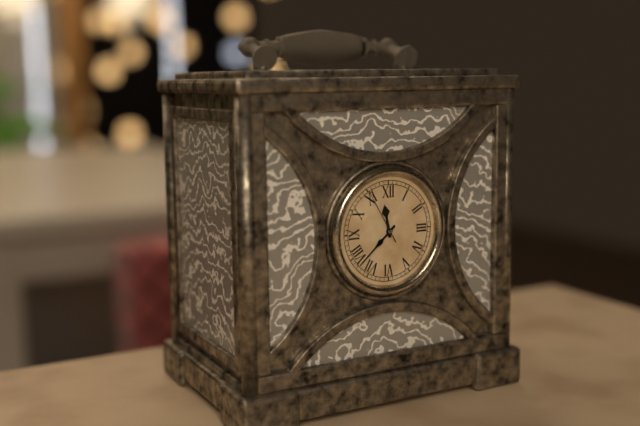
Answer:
h=11 m=38 s=55
